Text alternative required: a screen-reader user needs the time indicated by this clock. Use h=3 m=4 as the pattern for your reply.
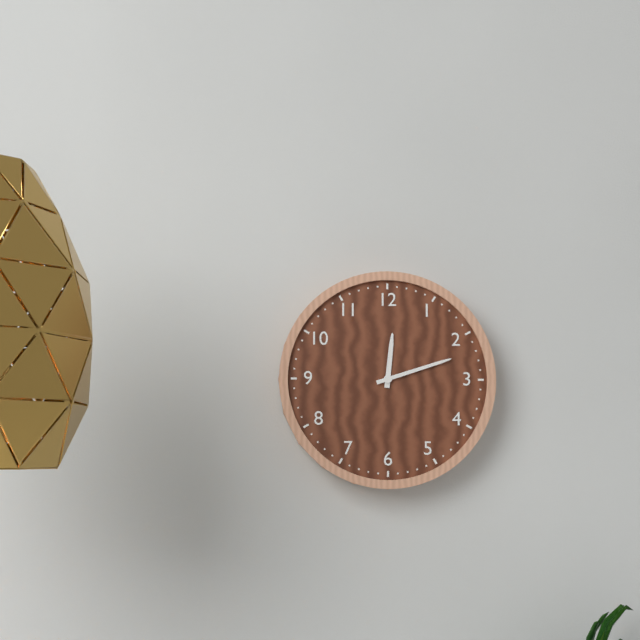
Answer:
h=12 m=12
